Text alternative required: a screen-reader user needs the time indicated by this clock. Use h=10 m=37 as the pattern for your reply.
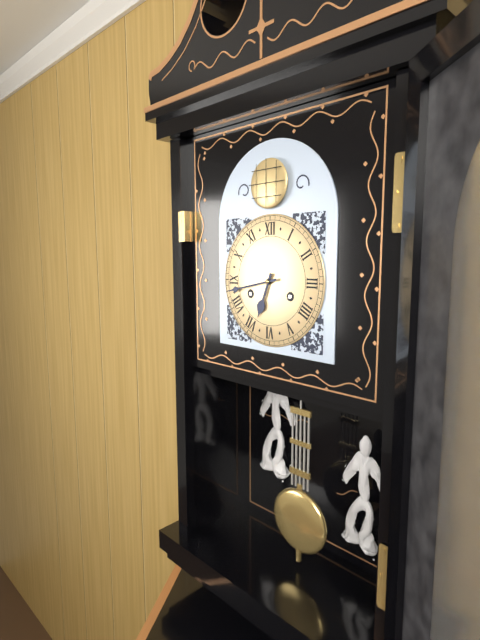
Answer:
h=6 m=43
